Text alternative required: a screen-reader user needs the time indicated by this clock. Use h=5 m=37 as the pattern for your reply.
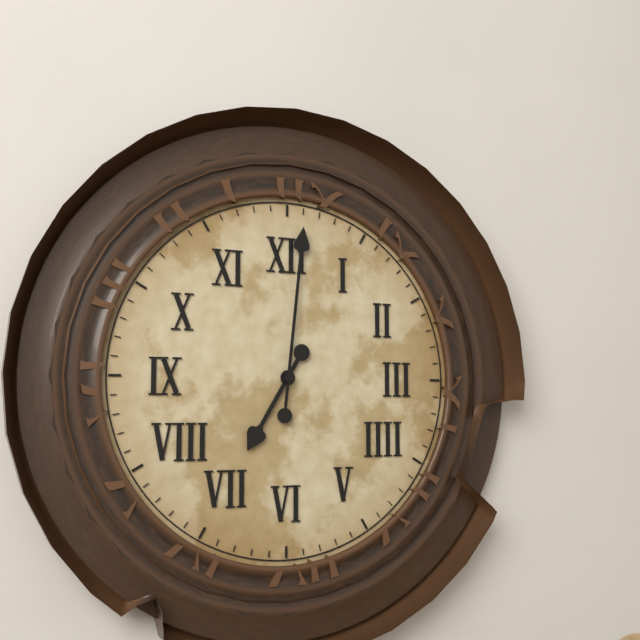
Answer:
h=7 m=1
